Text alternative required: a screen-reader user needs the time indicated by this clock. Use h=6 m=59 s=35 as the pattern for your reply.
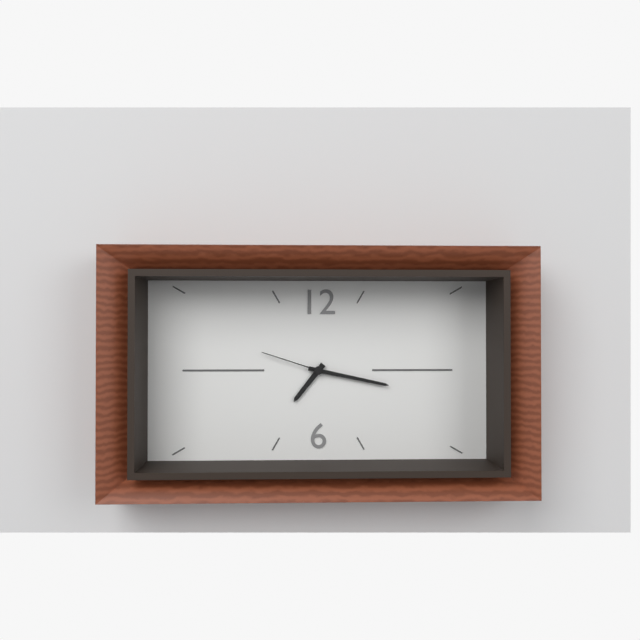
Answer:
h=7 m=17 s=48
